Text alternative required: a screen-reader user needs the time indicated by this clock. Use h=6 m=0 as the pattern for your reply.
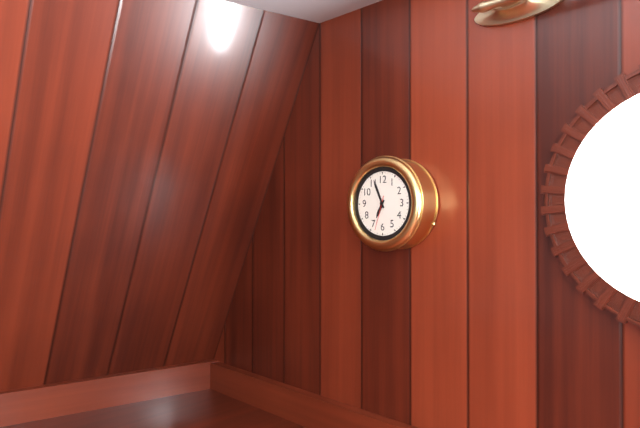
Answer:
h=6 m=56
